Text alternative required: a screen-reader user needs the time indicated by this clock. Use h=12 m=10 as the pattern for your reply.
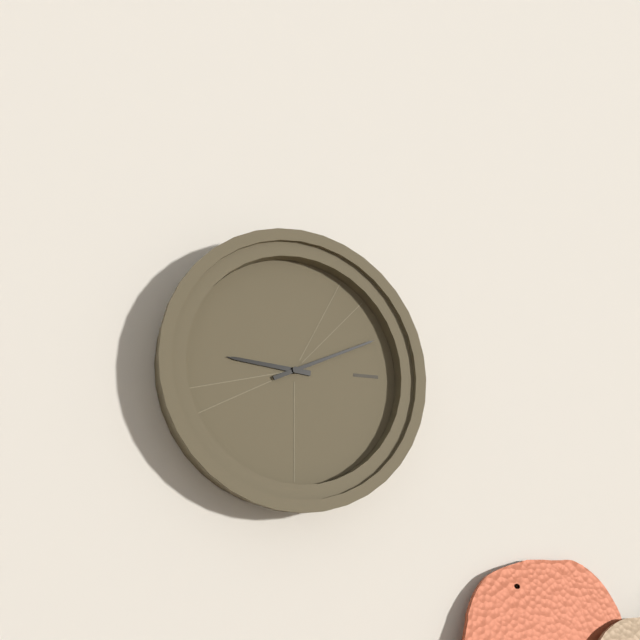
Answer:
h=9 m=11
